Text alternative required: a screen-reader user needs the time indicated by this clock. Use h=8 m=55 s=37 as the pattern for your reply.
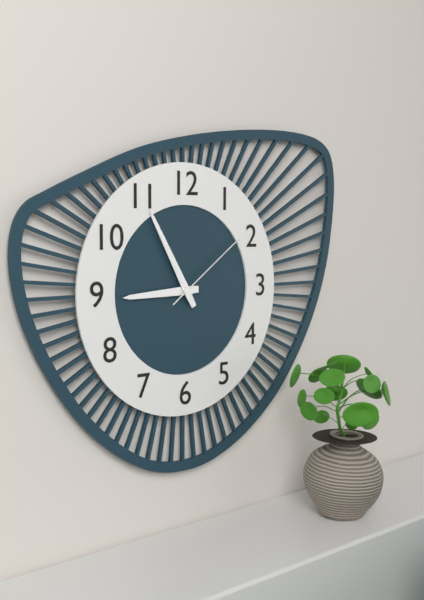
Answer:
h=8 m=55 s=9
